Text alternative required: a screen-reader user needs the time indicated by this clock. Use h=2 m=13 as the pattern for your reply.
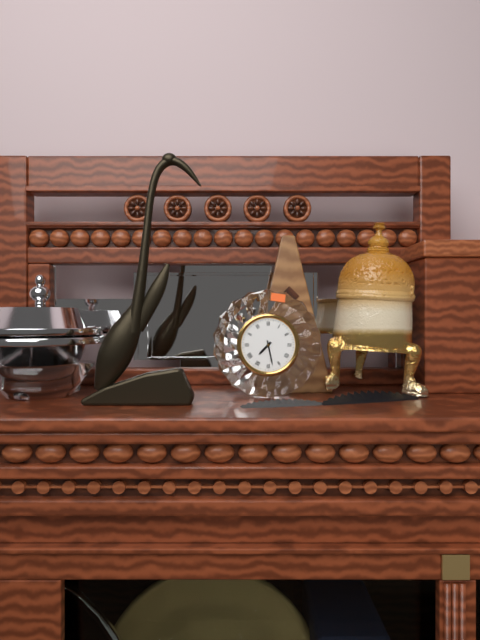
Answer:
h=7 m=28
